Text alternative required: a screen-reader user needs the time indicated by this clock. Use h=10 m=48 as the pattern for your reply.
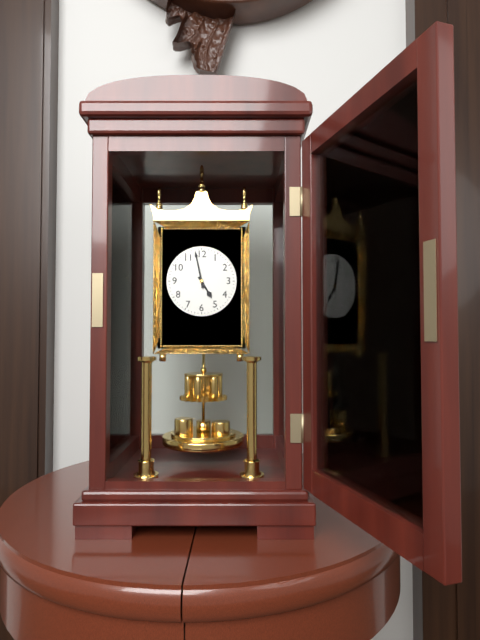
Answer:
h=4 m=58
